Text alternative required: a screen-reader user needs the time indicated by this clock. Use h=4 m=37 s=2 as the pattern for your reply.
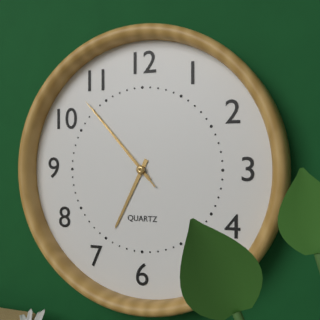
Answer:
h=6 m=53 s=53
